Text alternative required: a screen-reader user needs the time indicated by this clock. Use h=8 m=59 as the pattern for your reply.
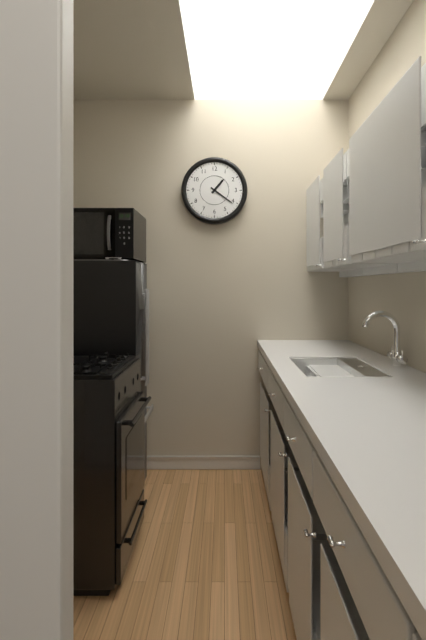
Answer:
h=1 m=21
